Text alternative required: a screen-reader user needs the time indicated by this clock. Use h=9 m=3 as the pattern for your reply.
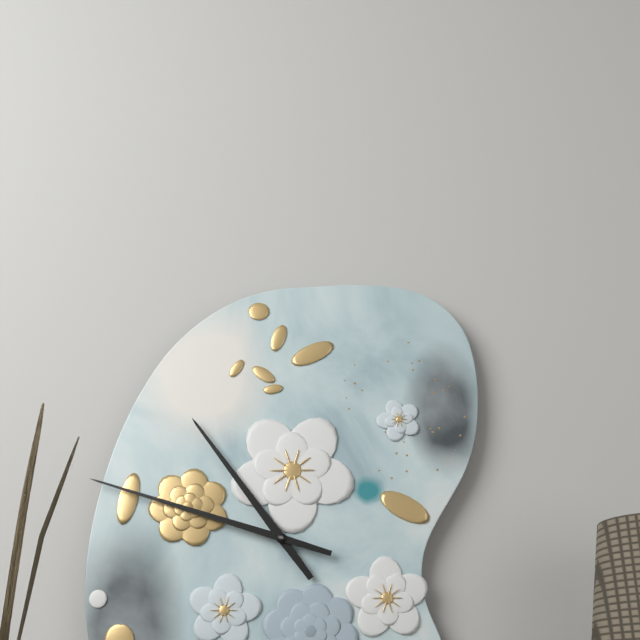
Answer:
h=10 m=48
